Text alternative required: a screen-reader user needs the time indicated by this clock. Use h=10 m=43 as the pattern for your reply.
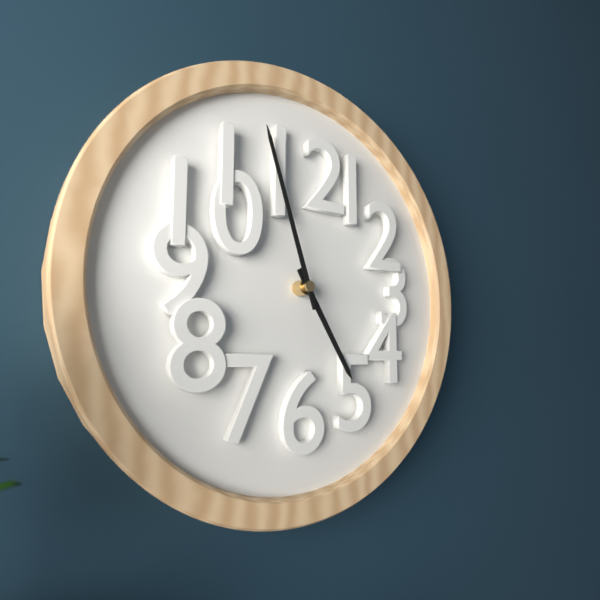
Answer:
h=4 m=57
